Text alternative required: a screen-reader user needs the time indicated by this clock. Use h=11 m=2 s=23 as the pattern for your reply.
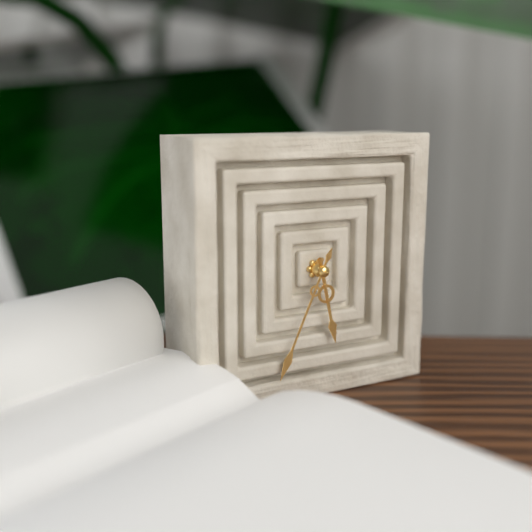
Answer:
h=5 m=34 s=28
